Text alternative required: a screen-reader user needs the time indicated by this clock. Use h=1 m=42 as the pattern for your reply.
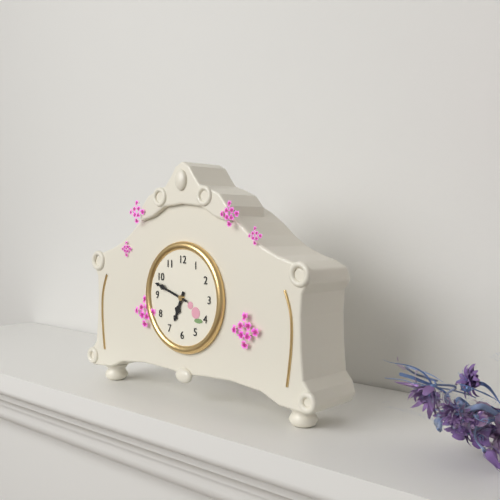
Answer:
h=6 m=48
